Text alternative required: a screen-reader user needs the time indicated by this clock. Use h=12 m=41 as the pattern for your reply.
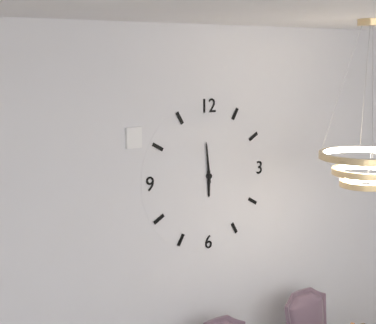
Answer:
h=5 m=59
